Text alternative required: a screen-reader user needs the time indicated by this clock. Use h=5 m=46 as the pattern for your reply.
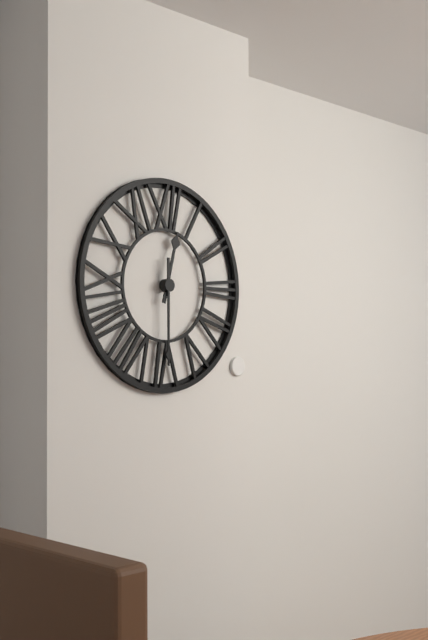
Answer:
h=12 m=30
